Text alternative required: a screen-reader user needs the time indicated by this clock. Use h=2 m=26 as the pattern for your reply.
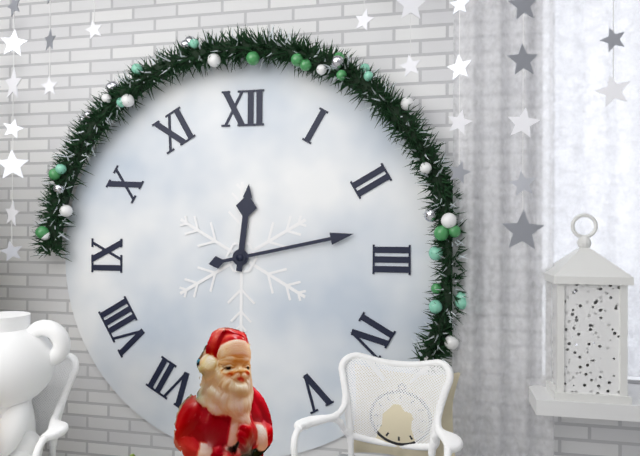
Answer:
h=12 m=13
